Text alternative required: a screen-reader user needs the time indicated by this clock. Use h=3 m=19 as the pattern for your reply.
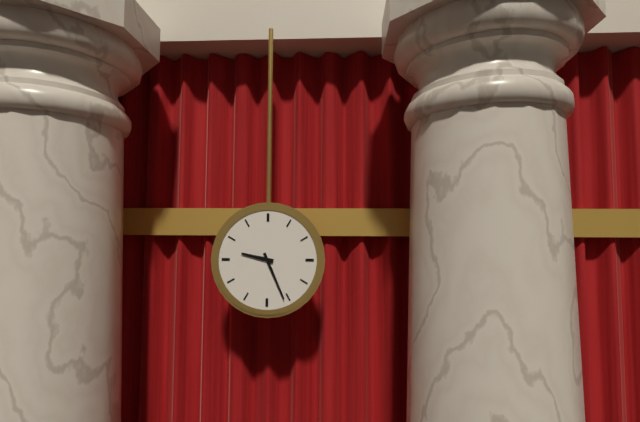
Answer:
h=9 m=26
